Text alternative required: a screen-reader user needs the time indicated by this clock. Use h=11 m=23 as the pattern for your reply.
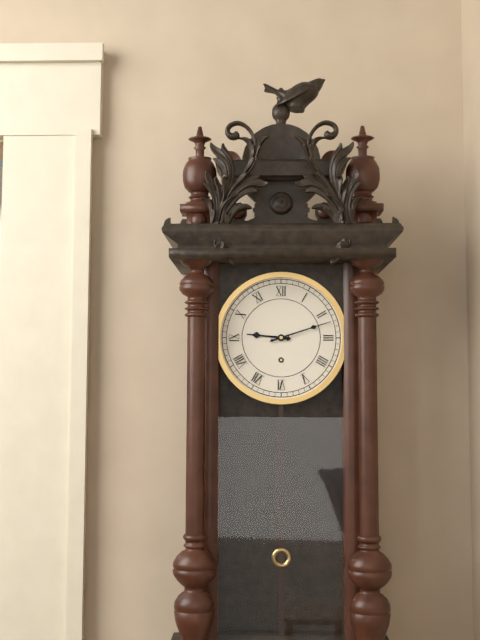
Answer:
h=9 m=12
